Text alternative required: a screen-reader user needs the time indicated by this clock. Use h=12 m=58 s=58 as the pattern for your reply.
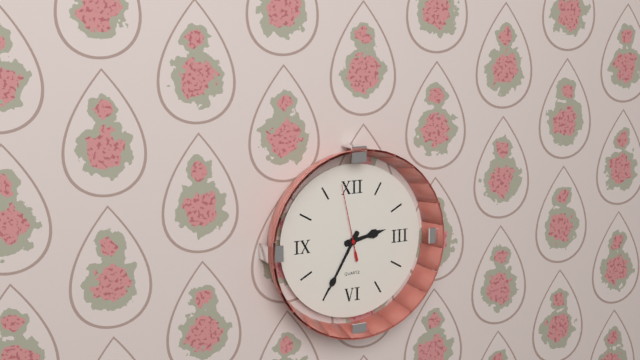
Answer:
h=2 m=35 s=58
